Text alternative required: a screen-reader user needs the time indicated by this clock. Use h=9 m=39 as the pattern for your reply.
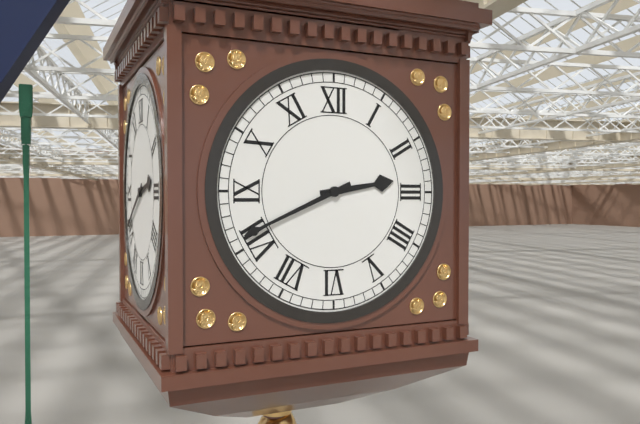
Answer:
h=2 m=41
